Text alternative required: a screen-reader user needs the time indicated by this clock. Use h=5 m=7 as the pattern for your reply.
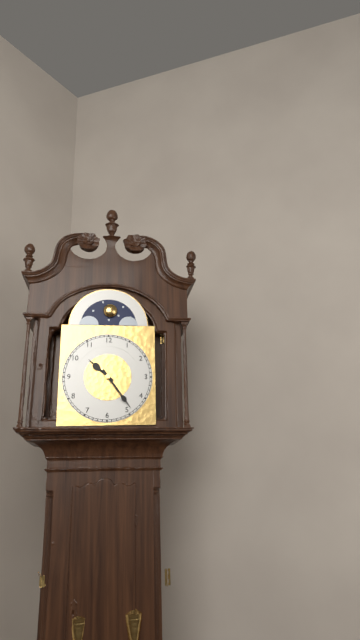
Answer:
h=10 m=24
